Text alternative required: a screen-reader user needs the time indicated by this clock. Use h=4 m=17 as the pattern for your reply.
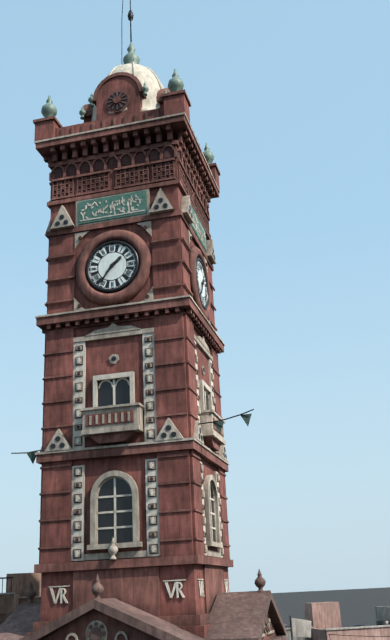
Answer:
h=1 m=36
